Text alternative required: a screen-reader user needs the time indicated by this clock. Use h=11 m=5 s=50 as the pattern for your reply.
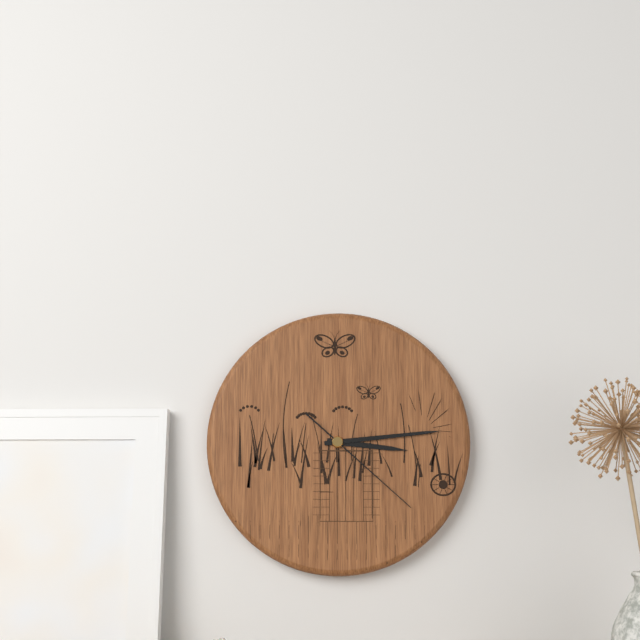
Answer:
h=3 m=14 s=22
